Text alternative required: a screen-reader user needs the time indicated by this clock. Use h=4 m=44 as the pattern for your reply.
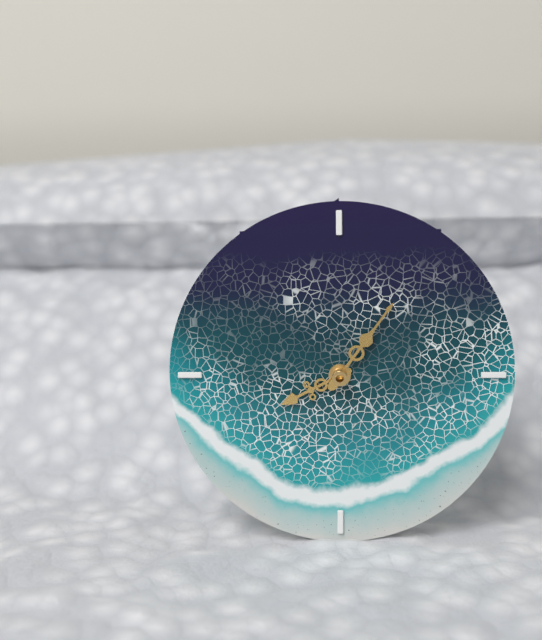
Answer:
h=8 m=6
